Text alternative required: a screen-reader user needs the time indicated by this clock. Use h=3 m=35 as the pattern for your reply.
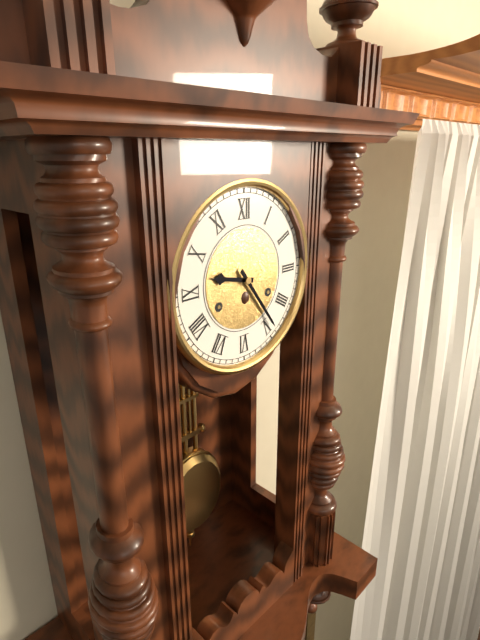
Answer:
h=9 m=24
